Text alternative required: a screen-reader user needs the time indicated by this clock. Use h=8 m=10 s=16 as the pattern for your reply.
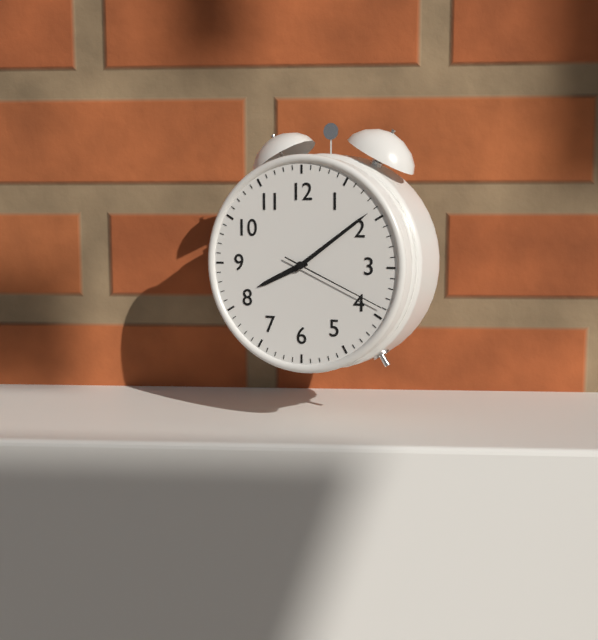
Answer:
h=8 m=9 s=19
